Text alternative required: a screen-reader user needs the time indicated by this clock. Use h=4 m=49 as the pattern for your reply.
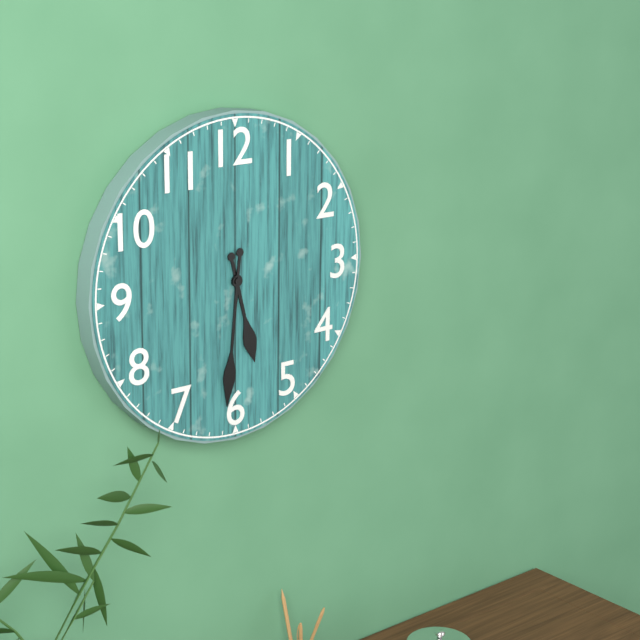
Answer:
h=5 m=31
